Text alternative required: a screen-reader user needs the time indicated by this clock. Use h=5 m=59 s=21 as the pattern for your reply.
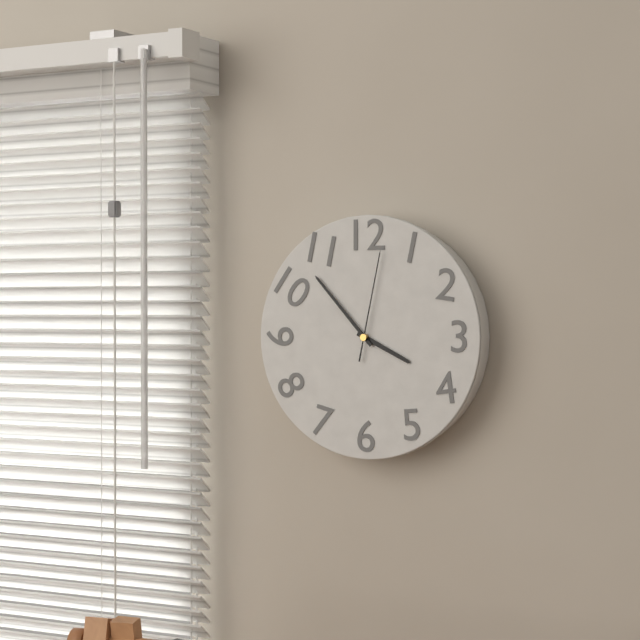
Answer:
h=3 m=53 s=2
